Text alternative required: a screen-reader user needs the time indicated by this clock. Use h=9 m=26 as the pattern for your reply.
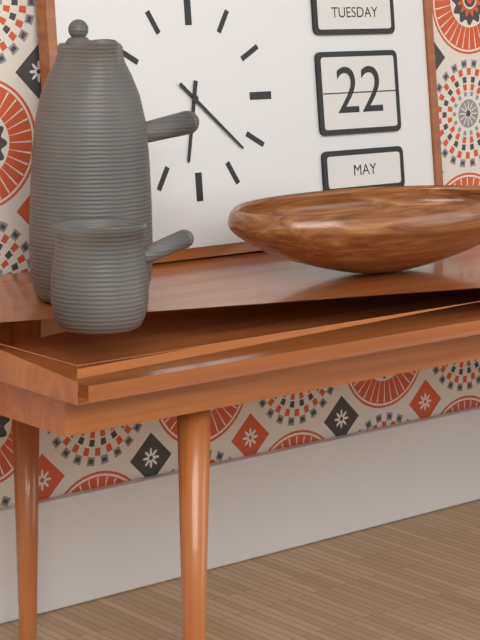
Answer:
h=6 m=22
